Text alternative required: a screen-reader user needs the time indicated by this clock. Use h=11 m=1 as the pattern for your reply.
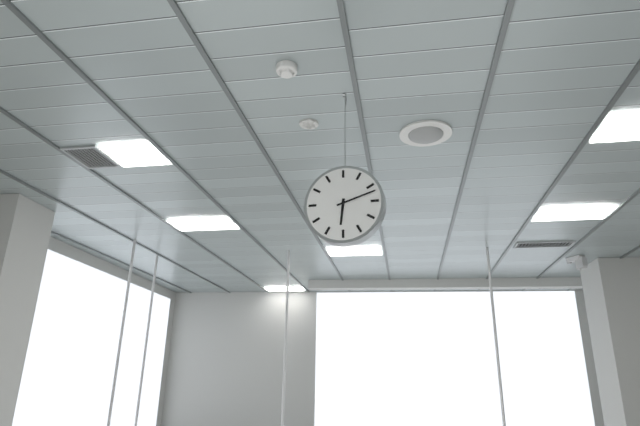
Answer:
h=6 m=12
